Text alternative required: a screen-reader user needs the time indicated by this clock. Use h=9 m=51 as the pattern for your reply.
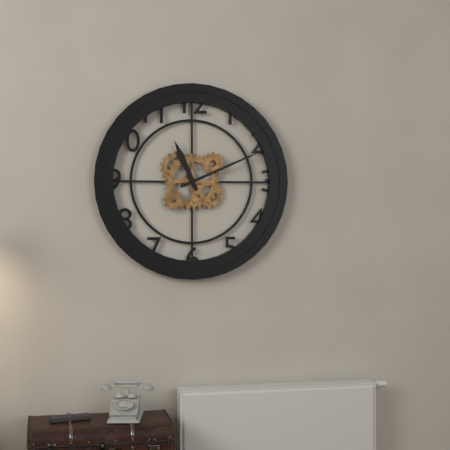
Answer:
h=11 m=11
